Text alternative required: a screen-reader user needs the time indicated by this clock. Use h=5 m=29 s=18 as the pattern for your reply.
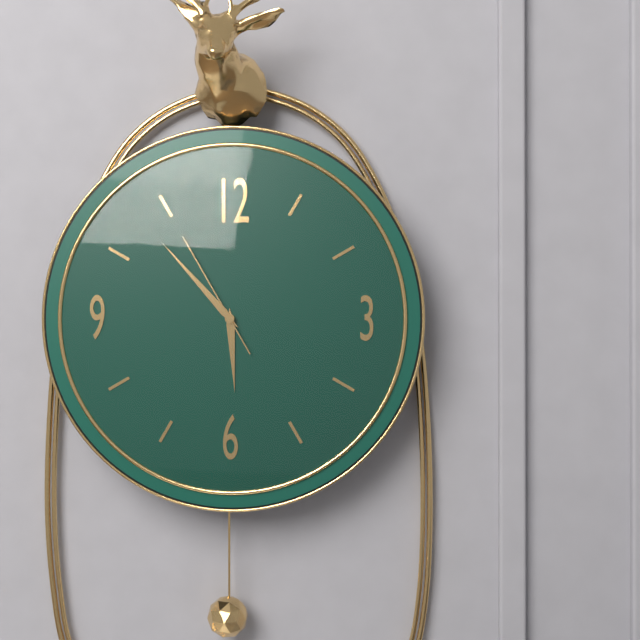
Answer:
h=5 m=53 s=55
